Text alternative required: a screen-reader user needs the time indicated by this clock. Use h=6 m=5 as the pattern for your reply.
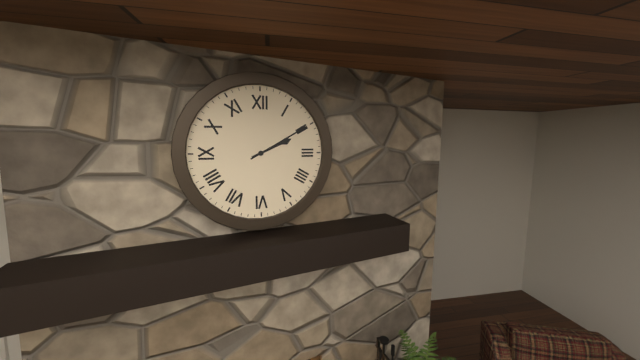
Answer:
h=2 m=10
